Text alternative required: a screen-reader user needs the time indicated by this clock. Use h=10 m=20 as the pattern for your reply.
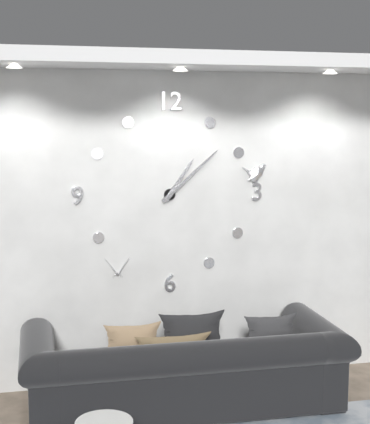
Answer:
h=1 m=8
